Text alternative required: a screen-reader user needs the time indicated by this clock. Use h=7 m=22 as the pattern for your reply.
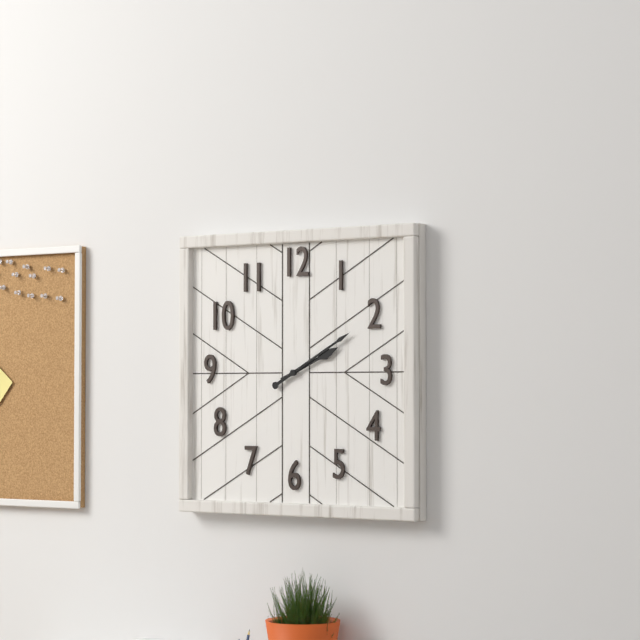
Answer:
h=2 m=10
